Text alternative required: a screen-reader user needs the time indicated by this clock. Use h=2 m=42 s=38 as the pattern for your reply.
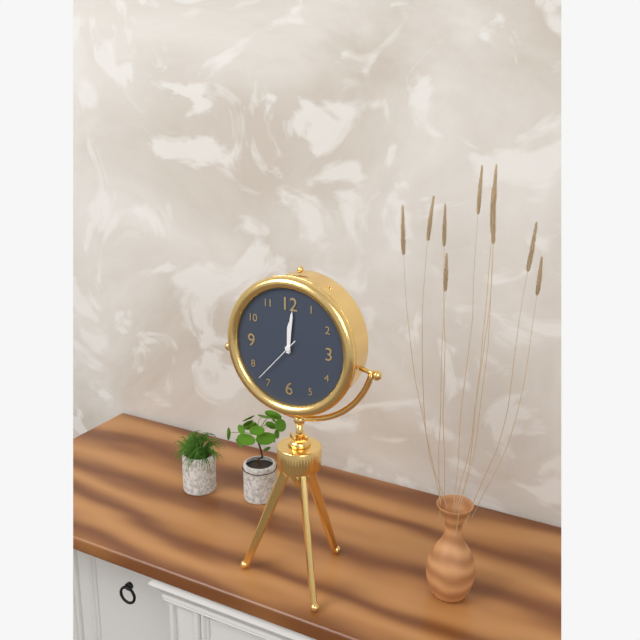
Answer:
h=12 m=1 s=37
